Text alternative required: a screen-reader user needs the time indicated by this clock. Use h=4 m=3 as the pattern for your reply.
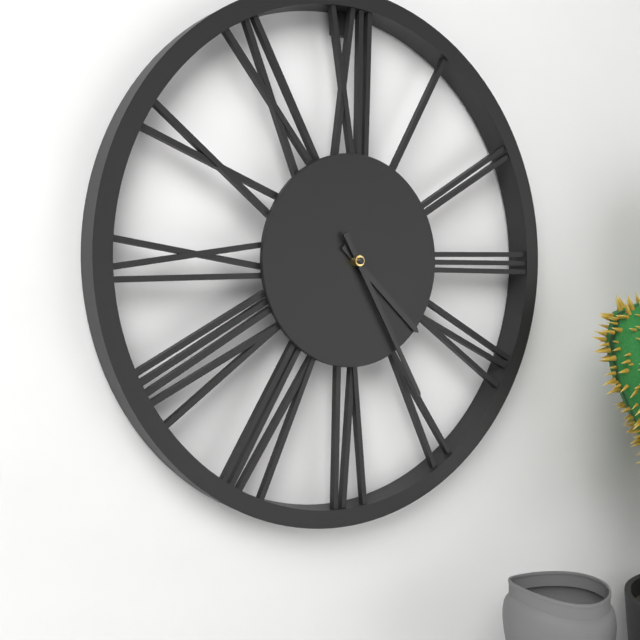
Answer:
h=4 m=25
